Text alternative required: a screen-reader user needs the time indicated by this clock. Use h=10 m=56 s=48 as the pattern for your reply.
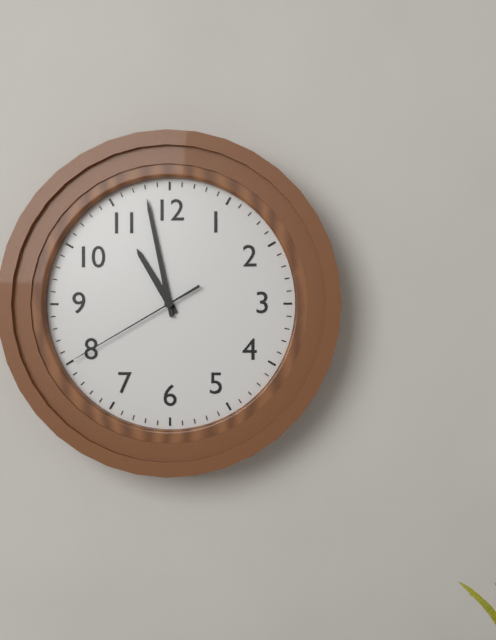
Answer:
h=10 m=58 s=40
